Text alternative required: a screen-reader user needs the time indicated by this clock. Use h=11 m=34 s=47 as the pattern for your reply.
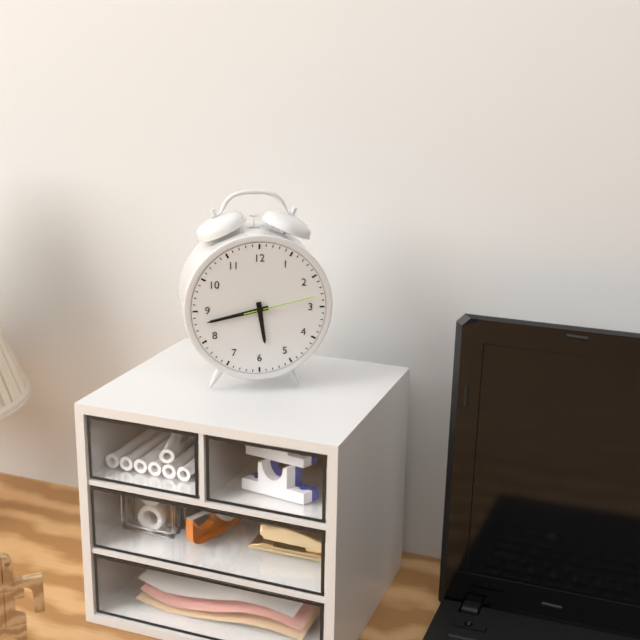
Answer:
h=5 m=43 s=13
